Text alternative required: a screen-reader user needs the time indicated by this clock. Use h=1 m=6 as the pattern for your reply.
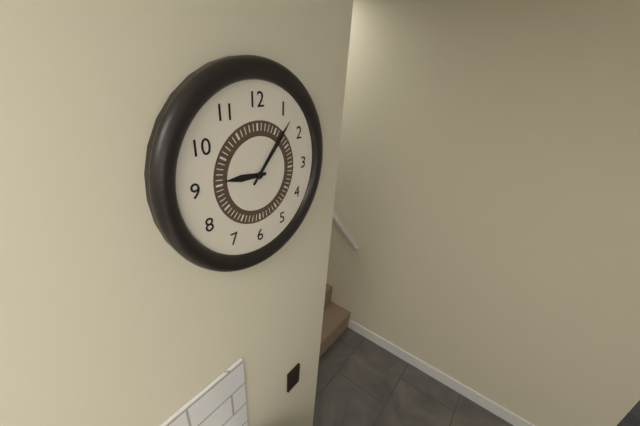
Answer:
h=9 m=7
